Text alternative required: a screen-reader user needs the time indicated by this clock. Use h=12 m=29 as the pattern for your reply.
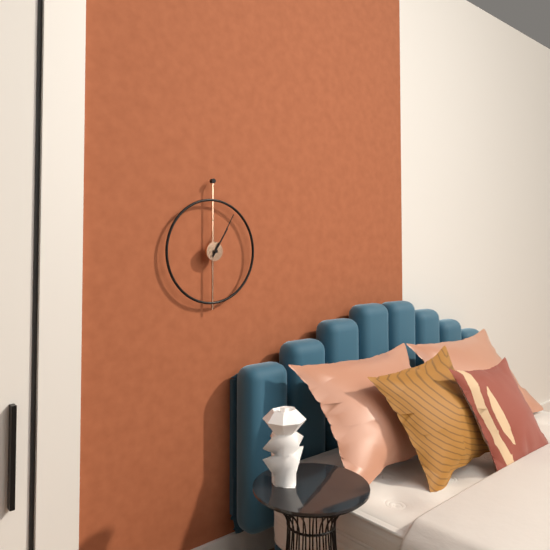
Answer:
h=1 m=5
